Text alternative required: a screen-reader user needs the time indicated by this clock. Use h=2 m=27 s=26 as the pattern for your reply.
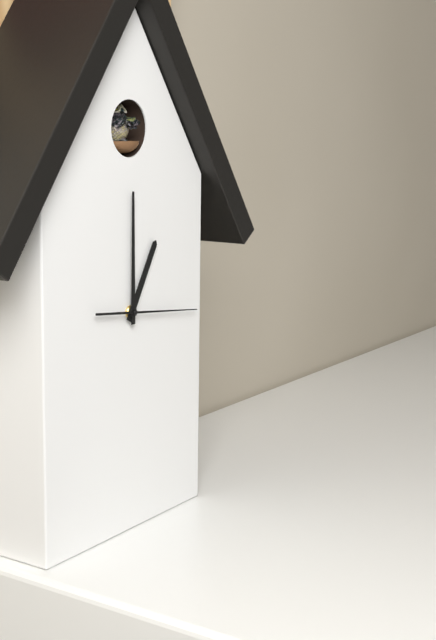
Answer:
h=1 m=0 s=16
